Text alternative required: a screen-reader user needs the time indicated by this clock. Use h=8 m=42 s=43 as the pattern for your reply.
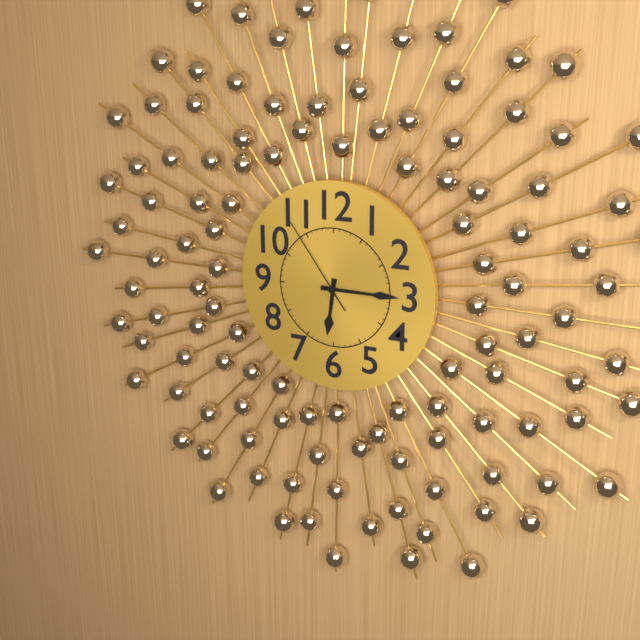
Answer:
h=6 m=15 s=54
